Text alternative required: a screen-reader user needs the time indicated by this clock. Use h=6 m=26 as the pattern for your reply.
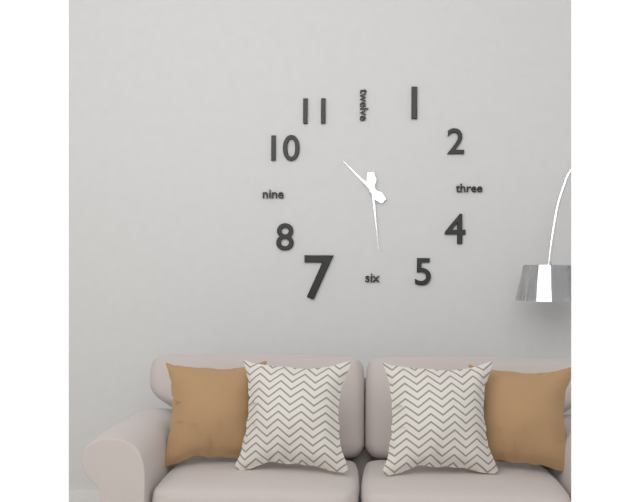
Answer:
h=10 m=29
